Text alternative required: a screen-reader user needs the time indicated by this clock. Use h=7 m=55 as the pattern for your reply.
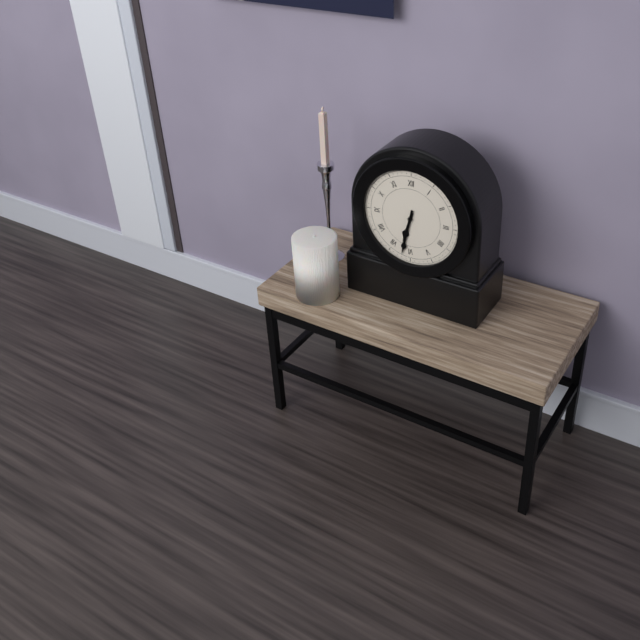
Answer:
h=6 m=32
